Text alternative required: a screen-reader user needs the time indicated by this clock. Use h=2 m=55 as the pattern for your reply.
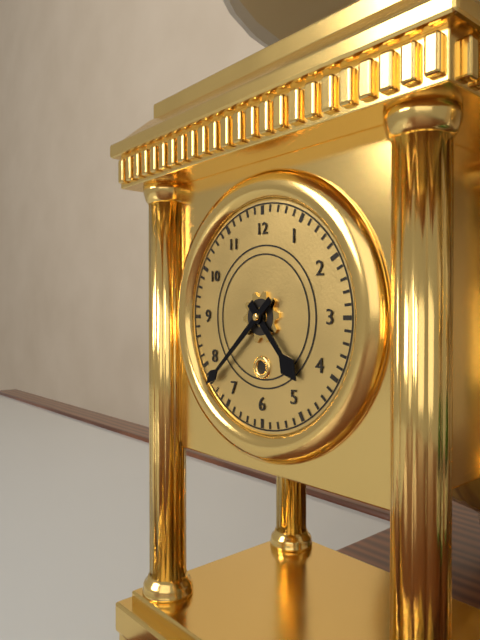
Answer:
h=4 m=38
